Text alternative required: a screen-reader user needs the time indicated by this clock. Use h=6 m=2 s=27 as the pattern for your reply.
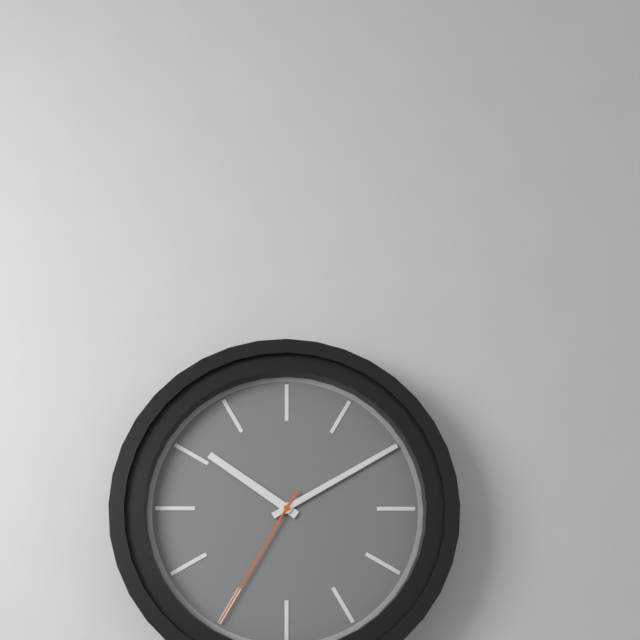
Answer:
h=10 m=10 s=35
